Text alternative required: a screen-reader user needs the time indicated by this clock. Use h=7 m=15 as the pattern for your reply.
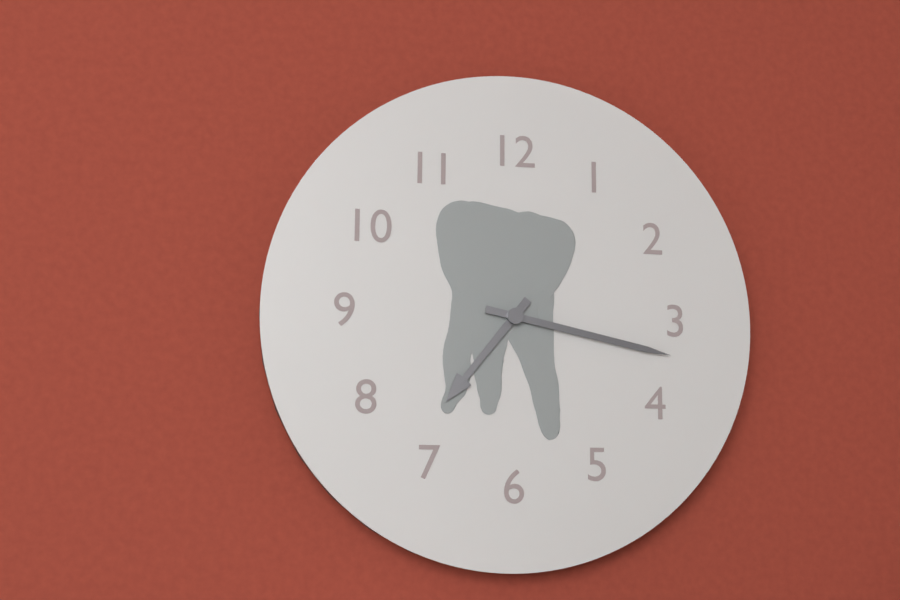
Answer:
h=7 m=17
